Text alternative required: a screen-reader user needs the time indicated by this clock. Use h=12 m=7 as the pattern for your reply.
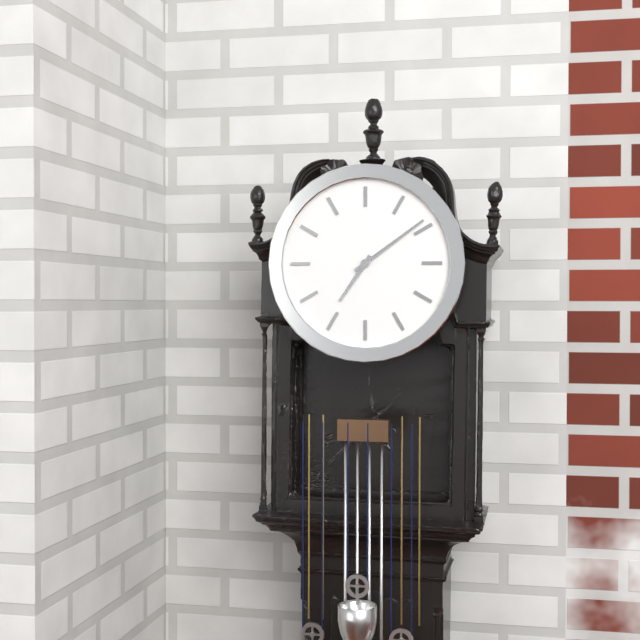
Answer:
h=7 m=9
